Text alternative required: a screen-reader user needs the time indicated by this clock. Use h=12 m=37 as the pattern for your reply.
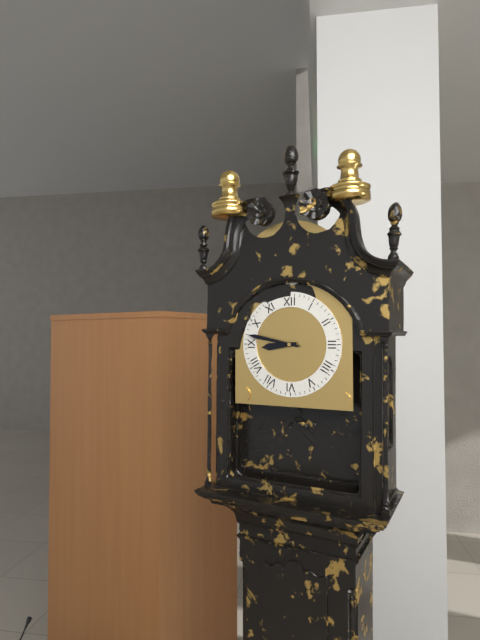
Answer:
h=8 m=47
